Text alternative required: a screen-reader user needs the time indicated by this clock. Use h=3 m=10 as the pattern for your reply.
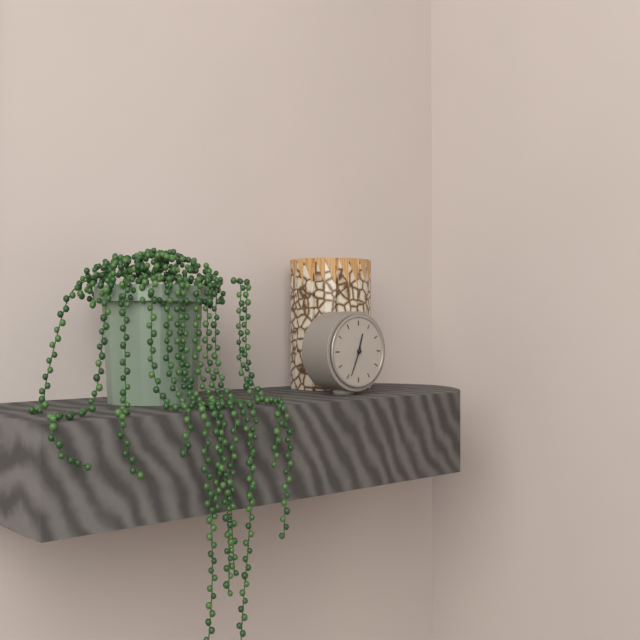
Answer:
h=12 m=34
